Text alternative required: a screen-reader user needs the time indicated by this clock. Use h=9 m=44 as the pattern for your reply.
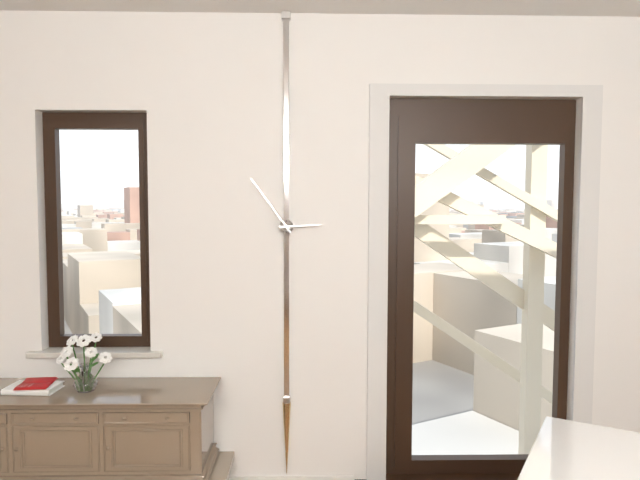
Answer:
h=2 m=54
